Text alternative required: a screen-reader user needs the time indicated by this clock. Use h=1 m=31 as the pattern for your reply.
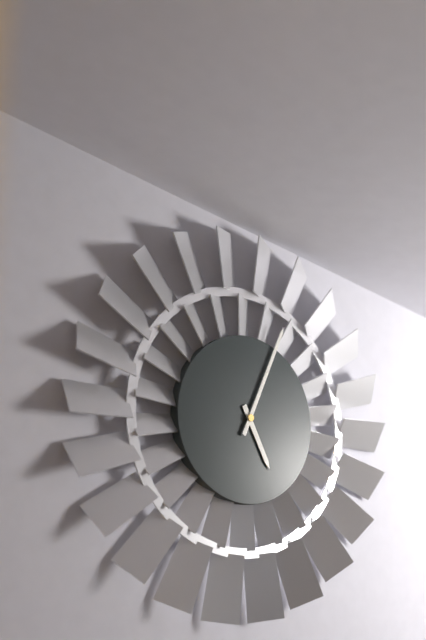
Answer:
h=5 m=4
